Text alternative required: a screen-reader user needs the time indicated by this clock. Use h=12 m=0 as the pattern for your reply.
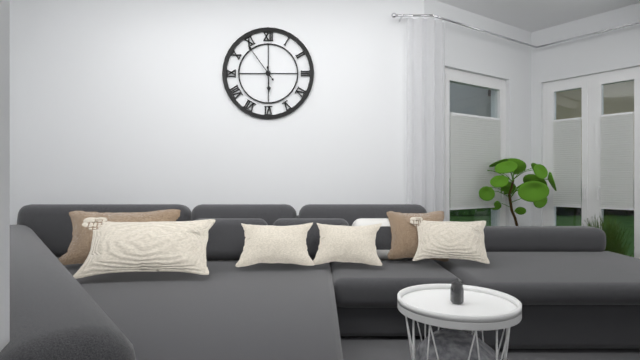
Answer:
h=5 m=54
